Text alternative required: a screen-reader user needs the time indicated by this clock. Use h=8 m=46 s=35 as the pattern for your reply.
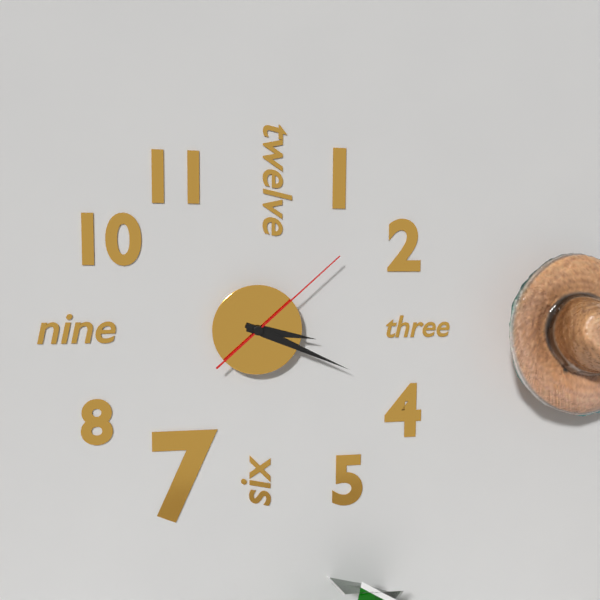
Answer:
h=3 m=19 s=8
